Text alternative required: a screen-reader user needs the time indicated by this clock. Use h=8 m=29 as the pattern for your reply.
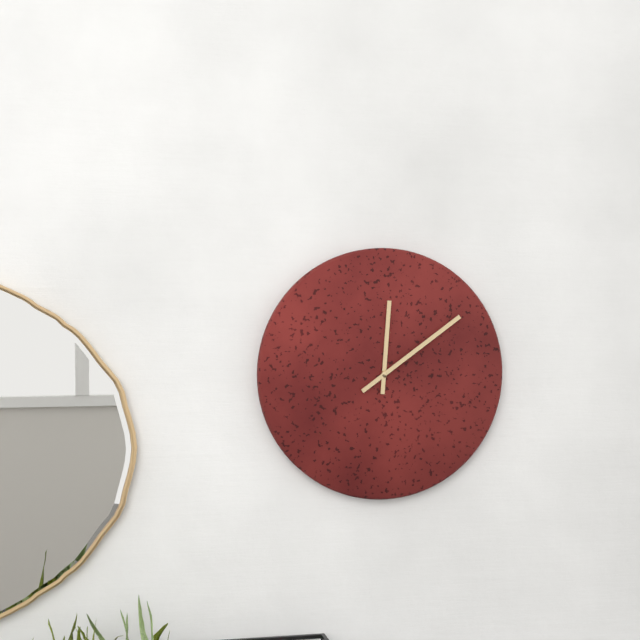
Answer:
h=12 m=9
